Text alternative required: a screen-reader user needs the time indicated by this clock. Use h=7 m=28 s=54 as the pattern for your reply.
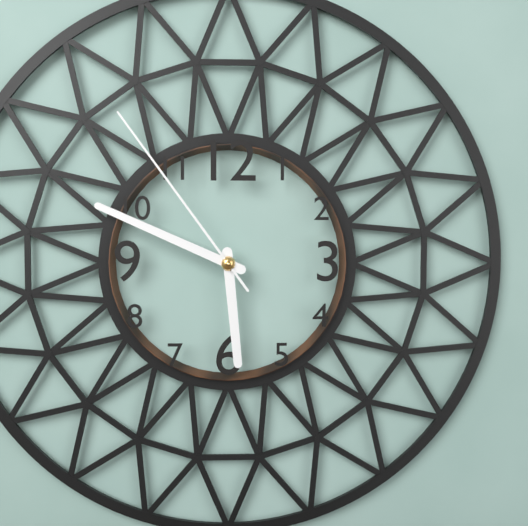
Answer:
h=5 m=49 s=54
